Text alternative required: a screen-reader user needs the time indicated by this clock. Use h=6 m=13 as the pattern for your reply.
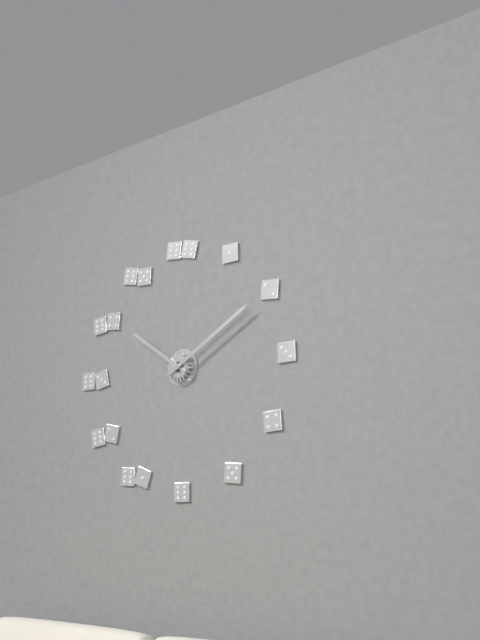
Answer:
h=10 m=10
